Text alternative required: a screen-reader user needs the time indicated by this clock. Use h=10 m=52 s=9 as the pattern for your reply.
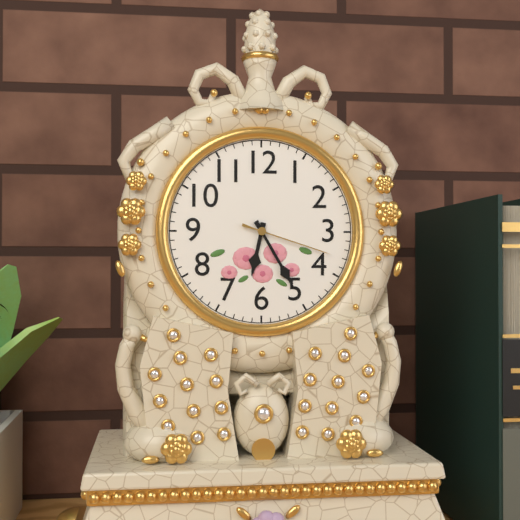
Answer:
h=6 m=25 s=18
